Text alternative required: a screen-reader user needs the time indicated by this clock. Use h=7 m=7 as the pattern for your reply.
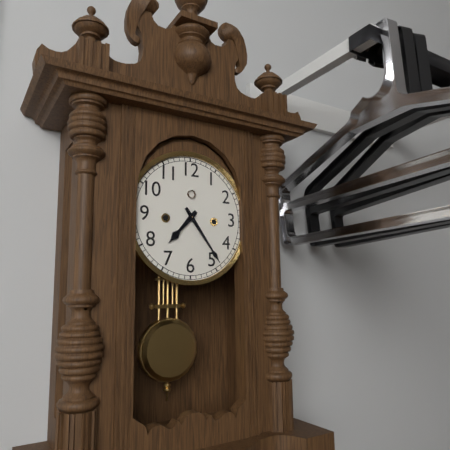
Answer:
h=7 m=24
